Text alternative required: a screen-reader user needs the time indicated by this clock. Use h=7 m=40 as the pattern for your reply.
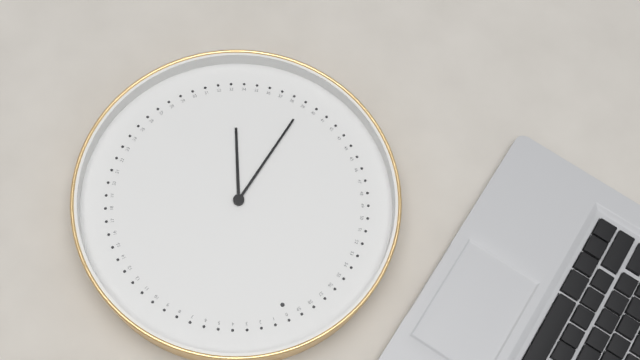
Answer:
h=6 m=39
